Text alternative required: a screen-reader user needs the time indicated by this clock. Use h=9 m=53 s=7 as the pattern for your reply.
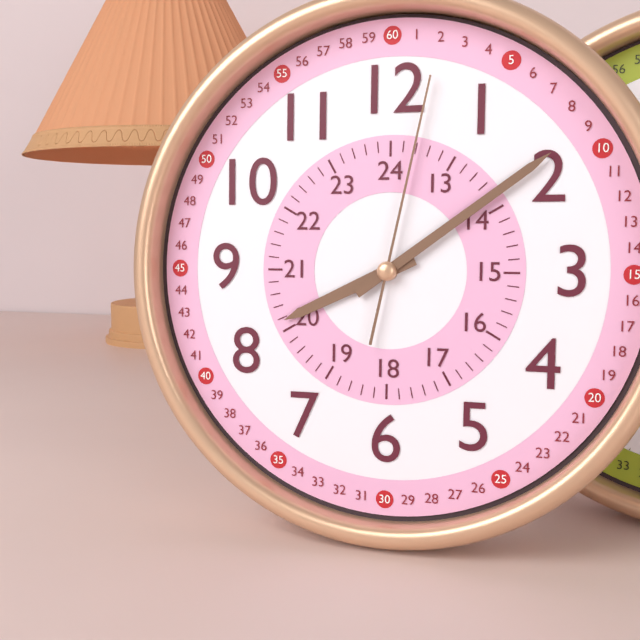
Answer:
h=8 m=9 s=2
